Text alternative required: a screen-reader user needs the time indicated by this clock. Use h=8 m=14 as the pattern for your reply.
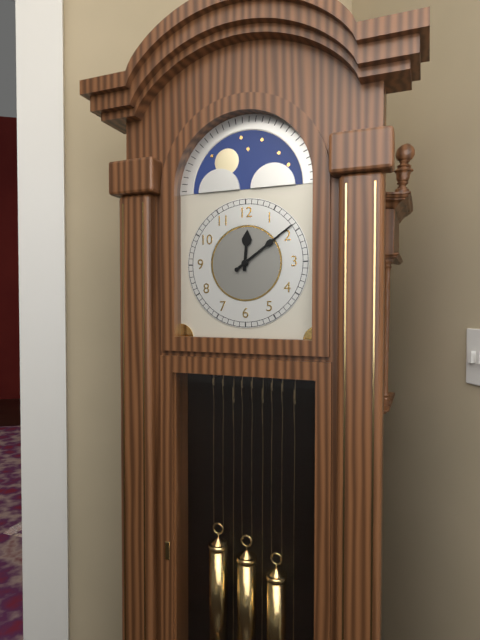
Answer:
h=12 m=9
